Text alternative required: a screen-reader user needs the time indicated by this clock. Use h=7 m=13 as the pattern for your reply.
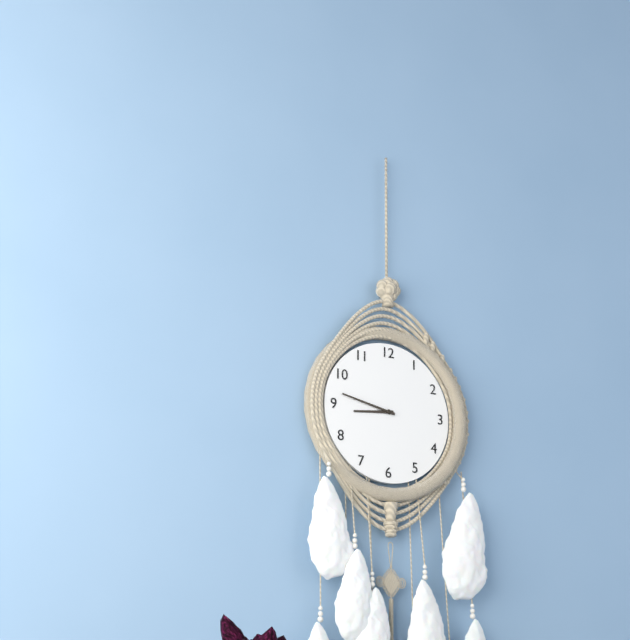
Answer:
h=8 m=47
